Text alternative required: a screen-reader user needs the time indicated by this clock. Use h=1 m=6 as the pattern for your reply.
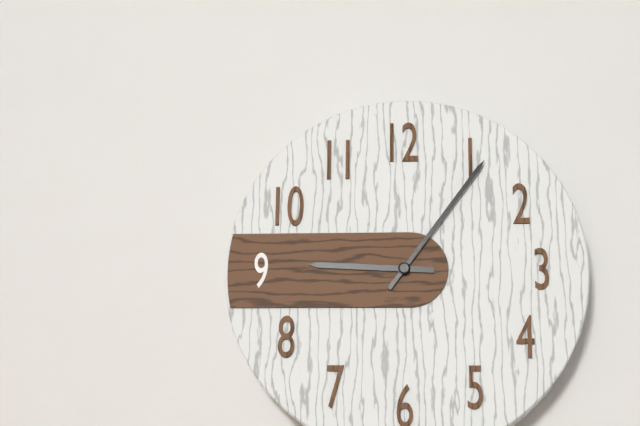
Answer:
h=9 m=6
